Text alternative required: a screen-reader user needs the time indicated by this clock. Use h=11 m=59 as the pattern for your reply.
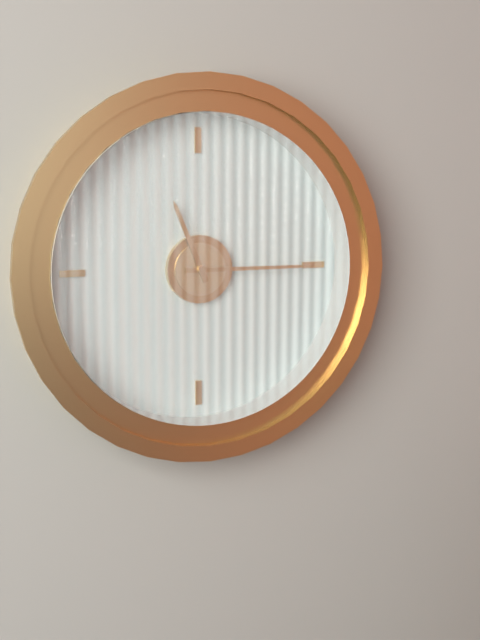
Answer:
h=11 m=15
